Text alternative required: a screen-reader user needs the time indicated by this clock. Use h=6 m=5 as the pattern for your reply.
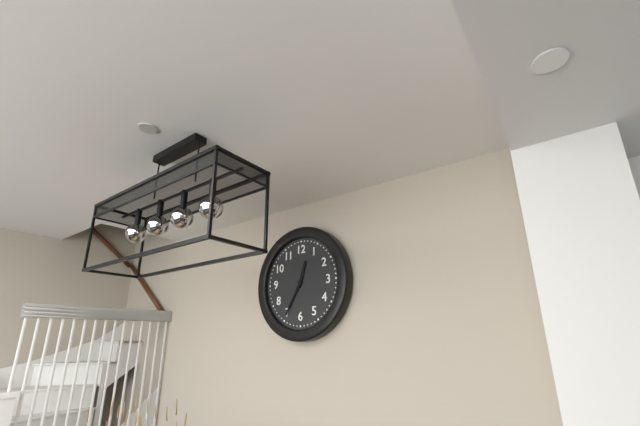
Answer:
h=12 m=35
